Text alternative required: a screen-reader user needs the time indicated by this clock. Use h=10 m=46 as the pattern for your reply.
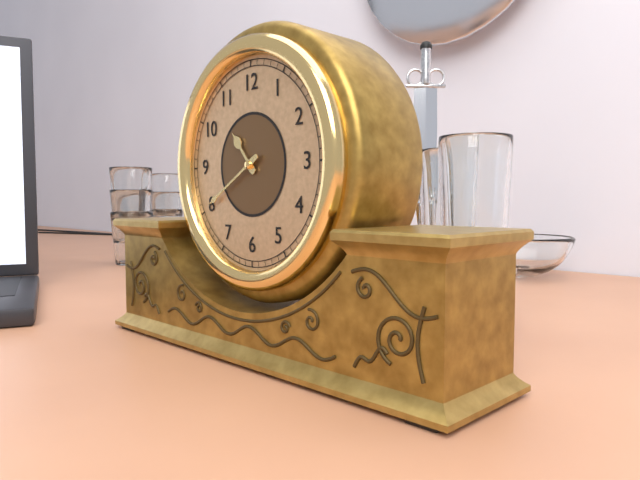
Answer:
h=10 m=40
